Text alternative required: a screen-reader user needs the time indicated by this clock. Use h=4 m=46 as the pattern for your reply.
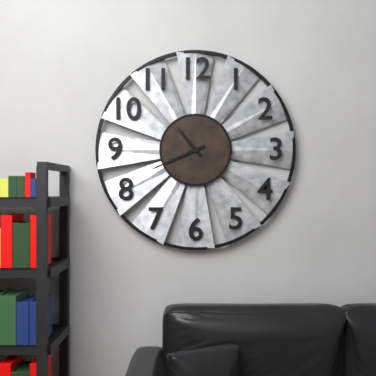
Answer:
h=10 m=41
